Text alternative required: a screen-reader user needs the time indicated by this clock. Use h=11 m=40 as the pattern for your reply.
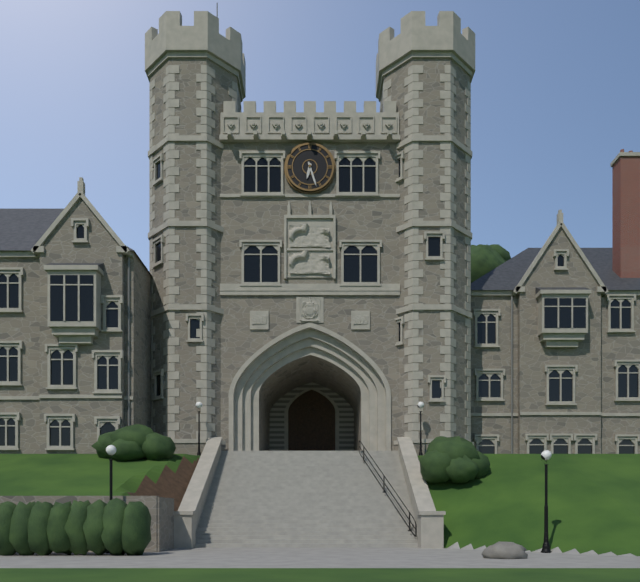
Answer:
h=6 m=27
